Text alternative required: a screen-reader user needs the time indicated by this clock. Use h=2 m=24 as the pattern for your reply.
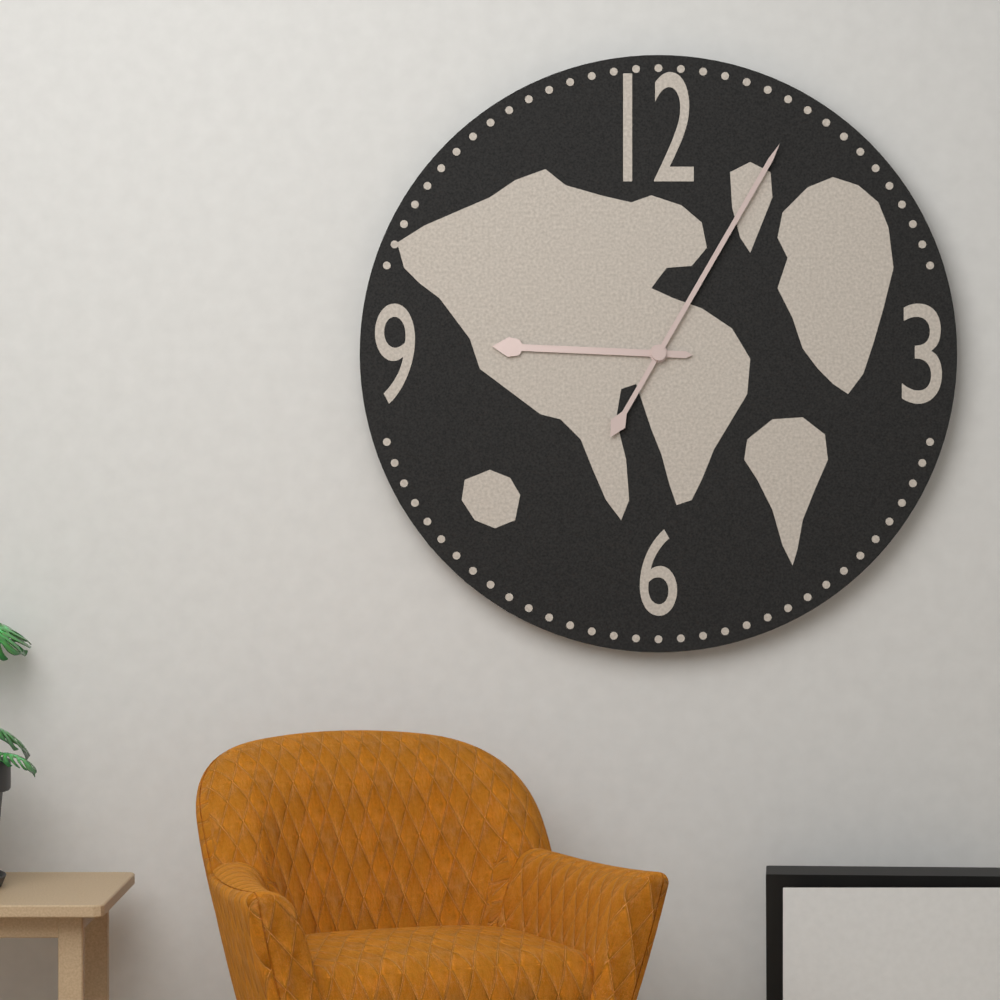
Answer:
h=9 m=5
